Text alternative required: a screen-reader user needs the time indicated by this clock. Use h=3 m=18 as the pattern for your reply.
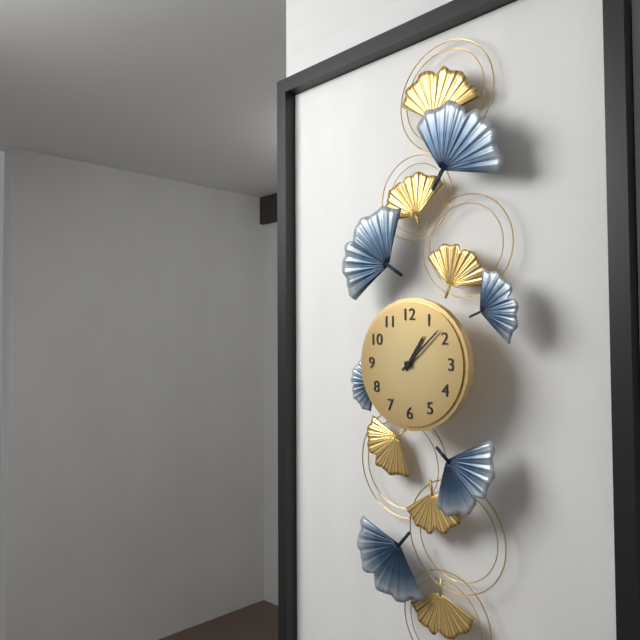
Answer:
h=1 m=8
